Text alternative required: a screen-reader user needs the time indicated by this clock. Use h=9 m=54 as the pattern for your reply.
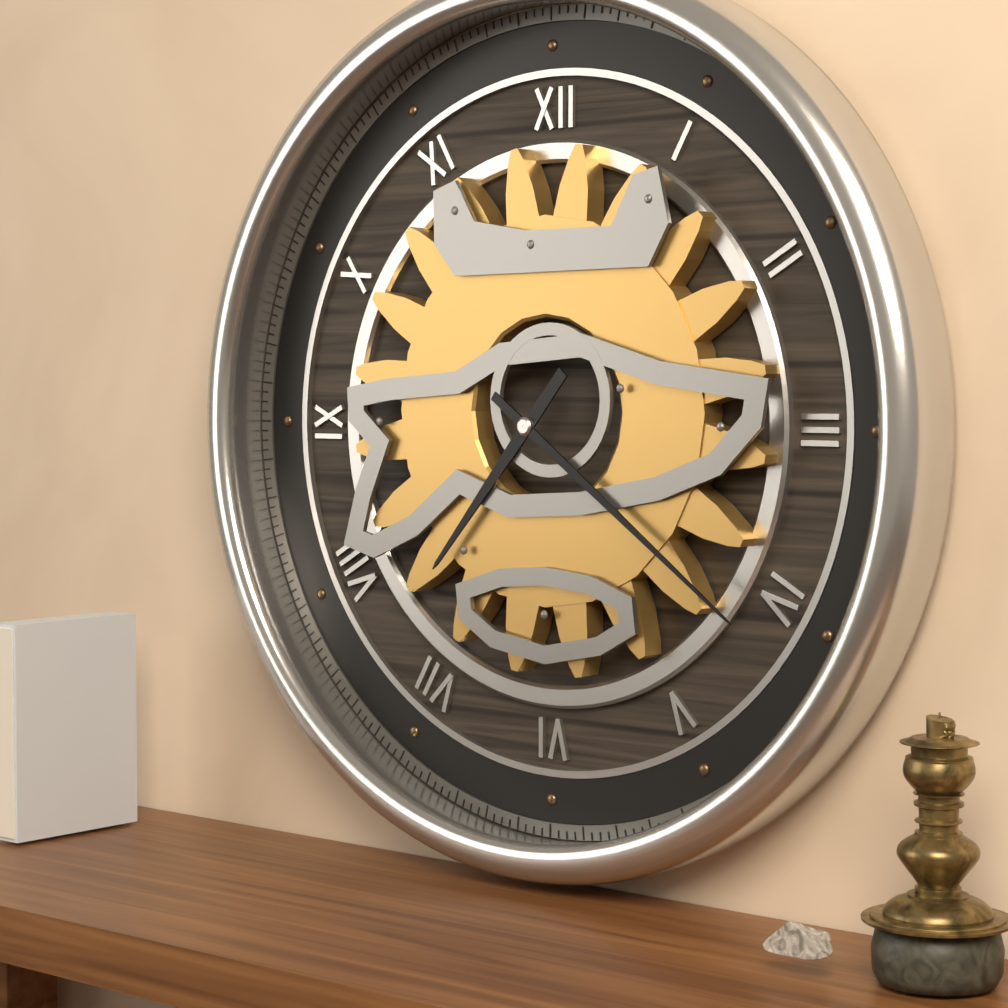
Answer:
h=7 m=21
